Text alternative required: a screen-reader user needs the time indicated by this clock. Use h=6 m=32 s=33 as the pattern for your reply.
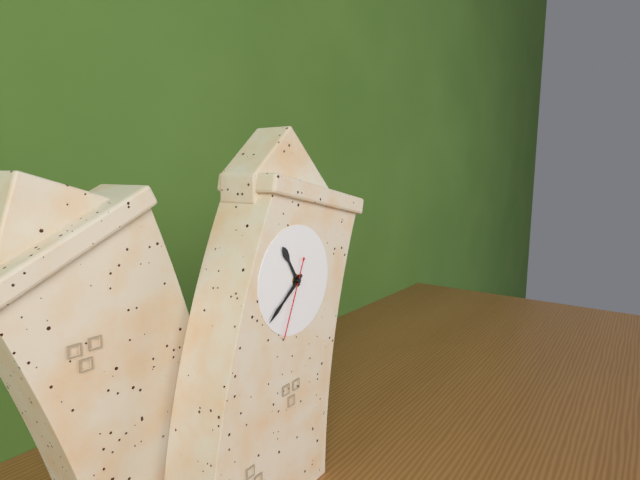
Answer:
h=10 m=37 s=32
